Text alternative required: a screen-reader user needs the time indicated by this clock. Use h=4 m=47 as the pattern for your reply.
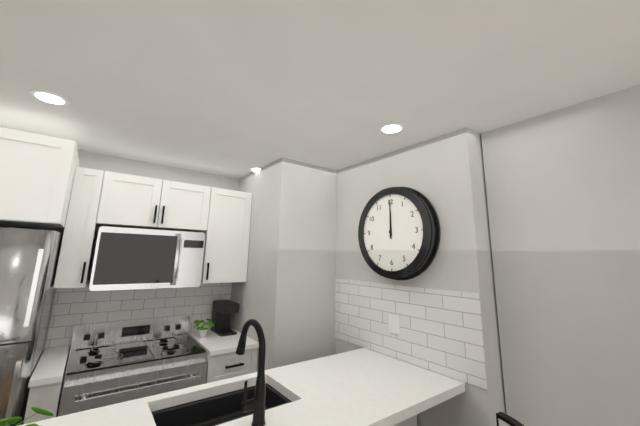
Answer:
h=12 m=0
